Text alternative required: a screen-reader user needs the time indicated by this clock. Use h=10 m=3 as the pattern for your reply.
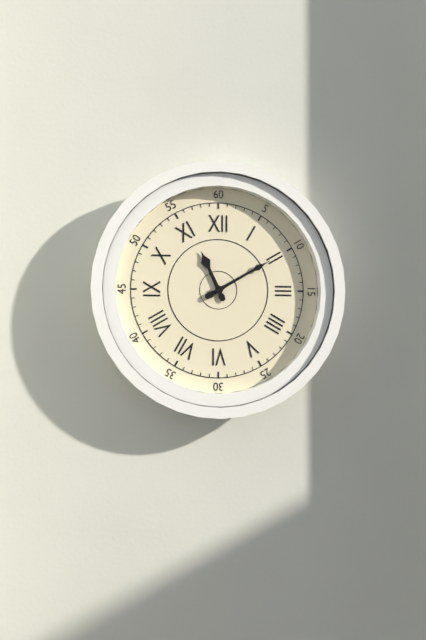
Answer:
h=11 m=10
